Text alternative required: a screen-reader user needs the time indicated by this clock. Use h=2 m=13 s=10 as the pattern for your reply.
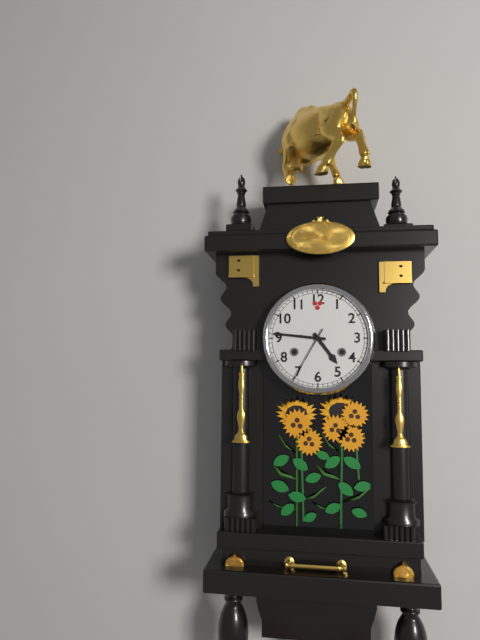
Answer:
h=4 m=46 s=35
